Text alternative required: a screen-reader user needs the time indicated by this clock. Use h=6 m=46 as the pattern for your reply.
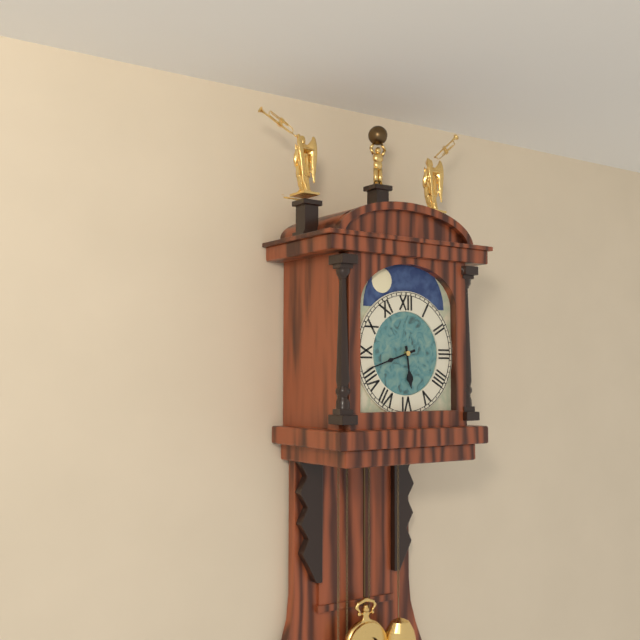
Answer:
h=5 m=42
